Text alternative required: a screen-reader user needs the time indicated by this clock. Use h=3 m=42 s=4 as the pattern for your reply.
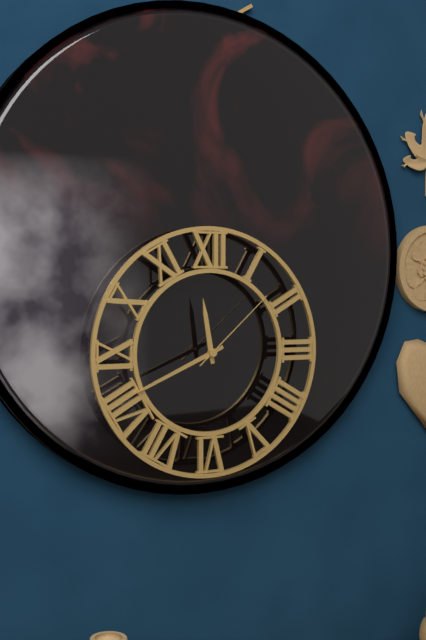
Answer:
h=11 m=41 s=8
